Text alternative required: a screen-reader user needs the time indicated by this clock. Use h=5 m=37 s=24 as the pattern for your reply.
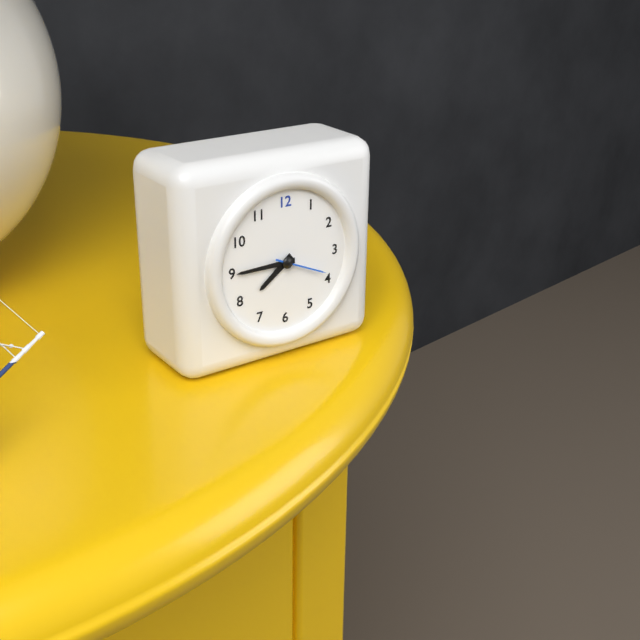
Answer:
h=7 m=45 s=19
